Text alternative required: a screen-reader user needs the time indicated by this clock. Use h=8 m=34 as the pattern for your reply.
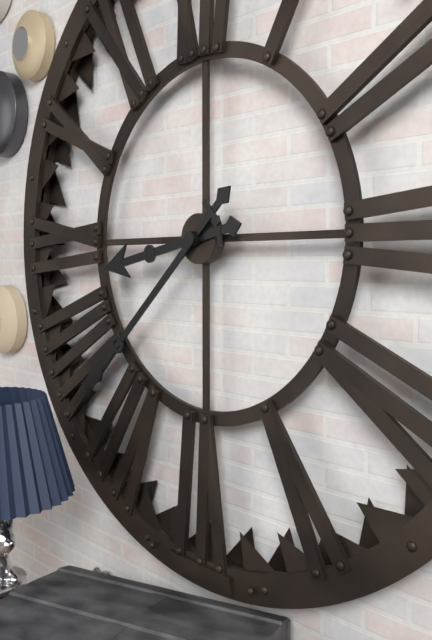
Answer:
h=8 m=38
